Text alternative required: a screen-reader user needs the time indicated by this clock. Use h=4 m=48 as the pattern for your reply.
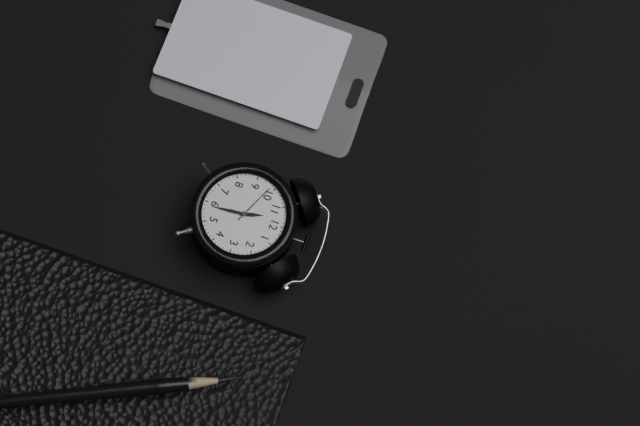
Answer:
h=11 m=29
